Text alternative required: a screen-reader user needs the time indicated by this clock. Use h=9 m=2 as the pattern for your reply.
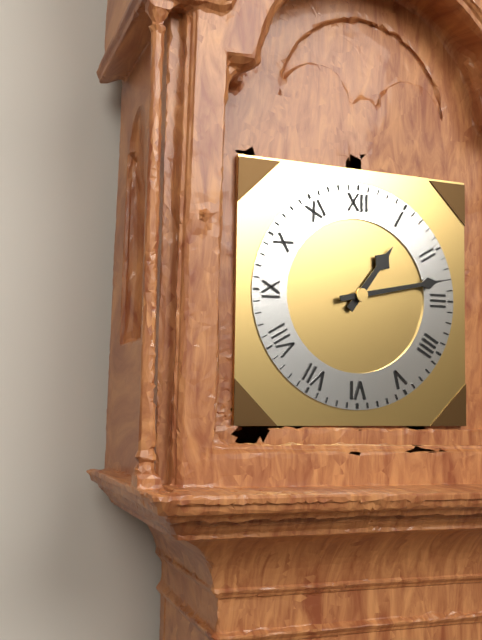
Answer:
h=1 m=13
